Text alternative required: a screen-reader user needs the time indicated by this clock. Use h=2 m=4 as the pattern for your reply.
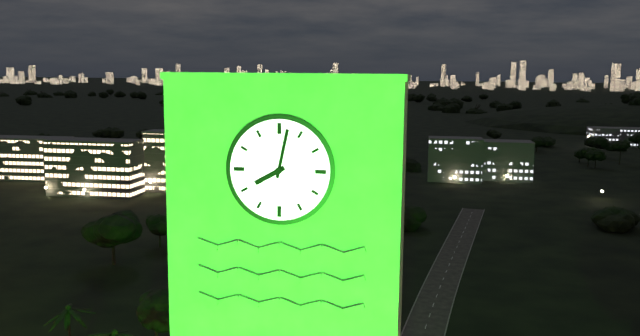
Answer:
h=8 m=2
